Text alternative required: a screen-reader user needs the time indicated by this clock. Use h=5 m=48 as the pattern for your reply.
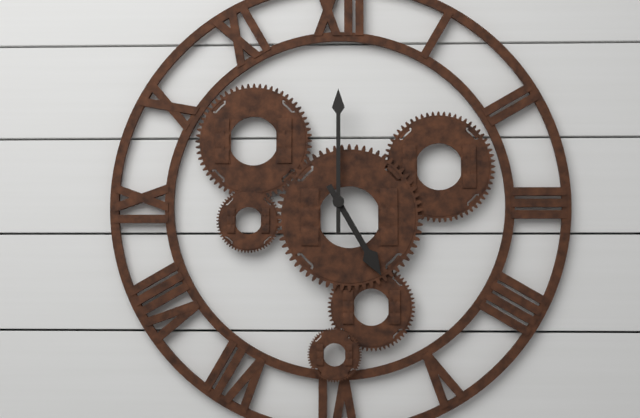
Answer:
h=5 m=0
